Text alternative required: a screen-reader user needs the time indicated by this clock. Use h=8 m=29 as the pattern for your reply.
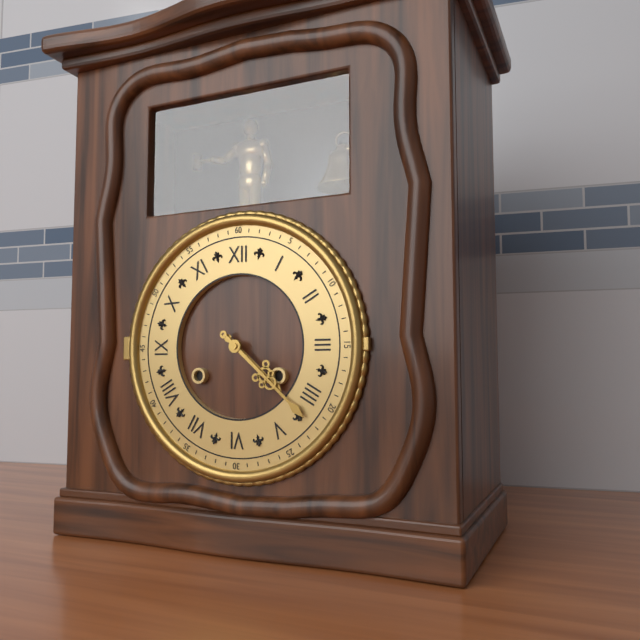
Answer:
h=4 m=22
